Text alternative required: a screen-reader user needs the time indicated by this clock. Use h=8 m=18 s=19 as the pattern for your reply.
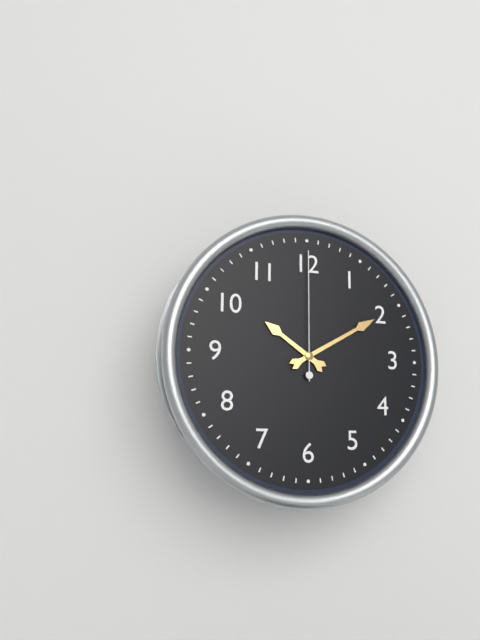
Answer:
h=10 m=10 s=0
